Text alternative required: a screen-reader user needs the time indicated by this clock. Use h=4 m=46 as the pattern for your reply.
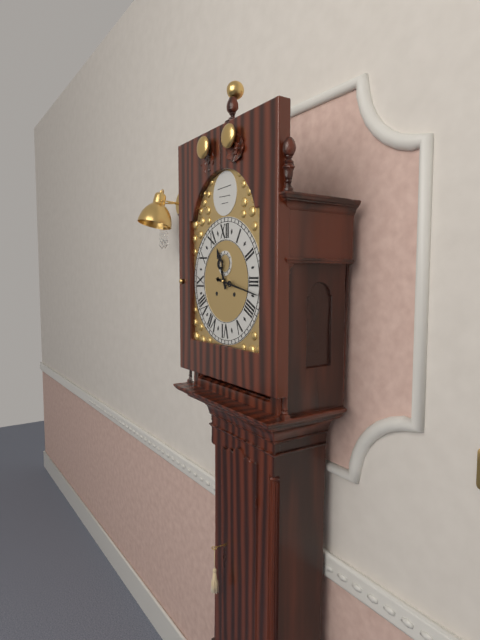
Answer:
h=11 m=17
